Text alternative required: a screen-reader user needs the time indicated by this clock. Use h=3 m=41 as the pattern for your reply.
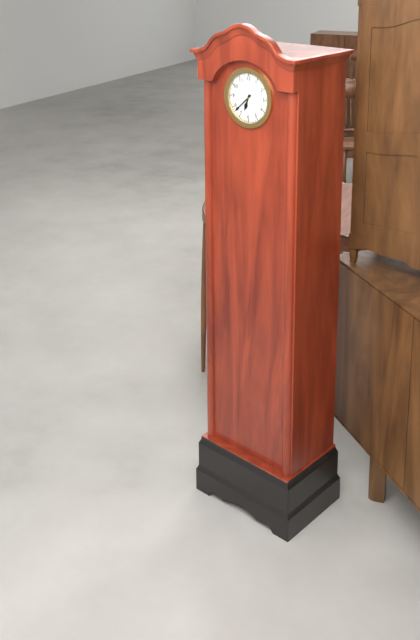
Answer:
h=6 m=38
